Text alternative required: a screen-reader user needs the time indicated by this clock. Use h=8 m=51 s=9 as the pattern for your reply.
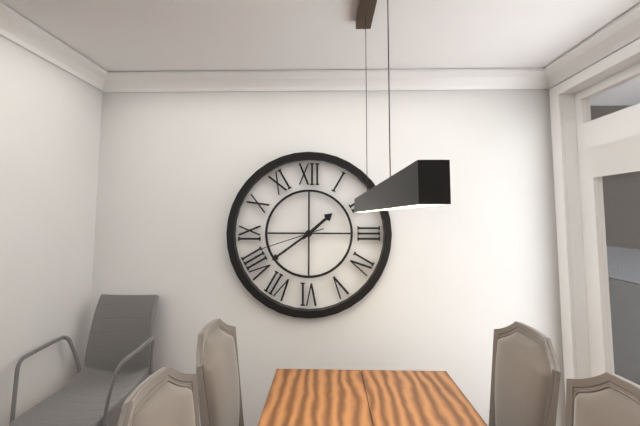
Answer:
h=1 m=39 s=42
